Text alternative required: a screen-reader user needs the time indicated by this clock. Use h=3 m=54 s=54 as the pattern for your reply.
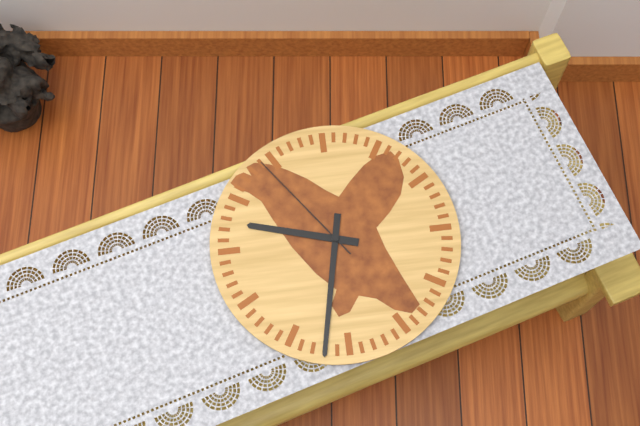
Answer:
h=9 m=32 s=54
